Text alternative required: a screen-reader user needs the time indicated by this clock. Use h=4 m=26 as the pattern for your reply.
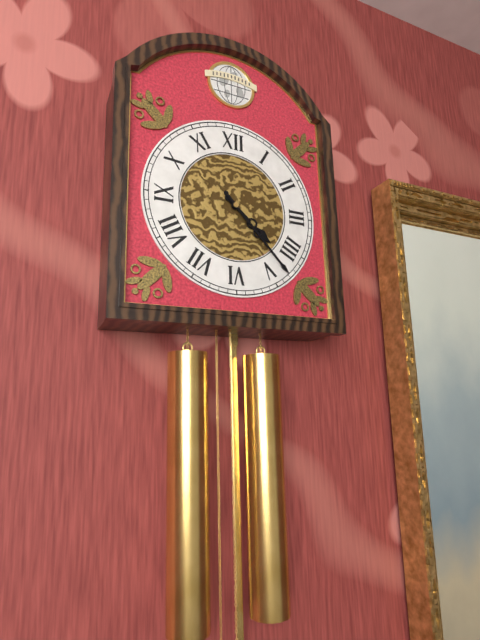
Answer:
h=4 m=23
